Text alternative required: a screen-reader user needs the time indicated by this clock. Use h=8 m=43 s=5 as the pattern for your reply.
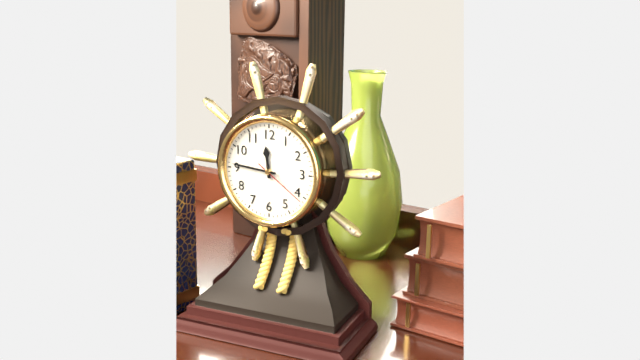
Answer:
h=11 m=46 s=21
